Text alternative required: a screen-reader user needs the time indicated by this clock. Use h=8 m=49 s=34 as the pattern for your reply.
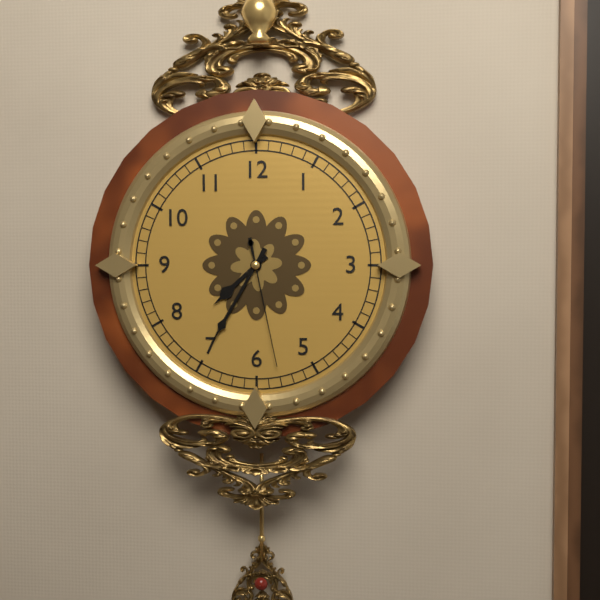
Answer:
h=7 m=35 s=28
